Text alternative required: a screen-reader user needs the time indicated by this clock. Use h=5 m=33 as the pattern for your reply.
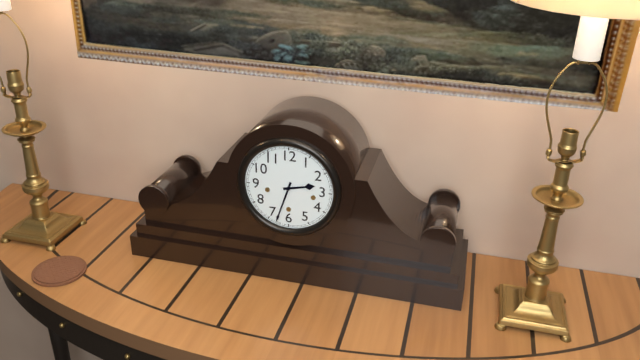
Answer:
h=2 m=33
